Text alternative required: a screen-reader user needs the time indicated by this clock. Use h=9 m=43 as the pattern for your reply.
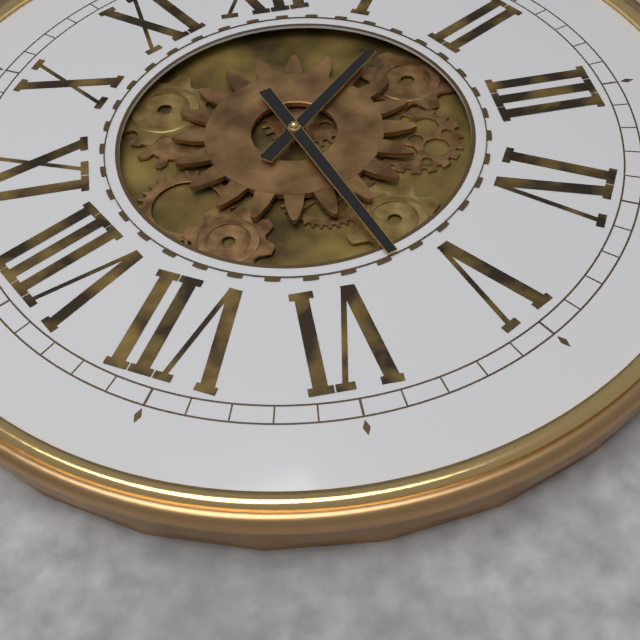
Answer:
h=1 m=27
